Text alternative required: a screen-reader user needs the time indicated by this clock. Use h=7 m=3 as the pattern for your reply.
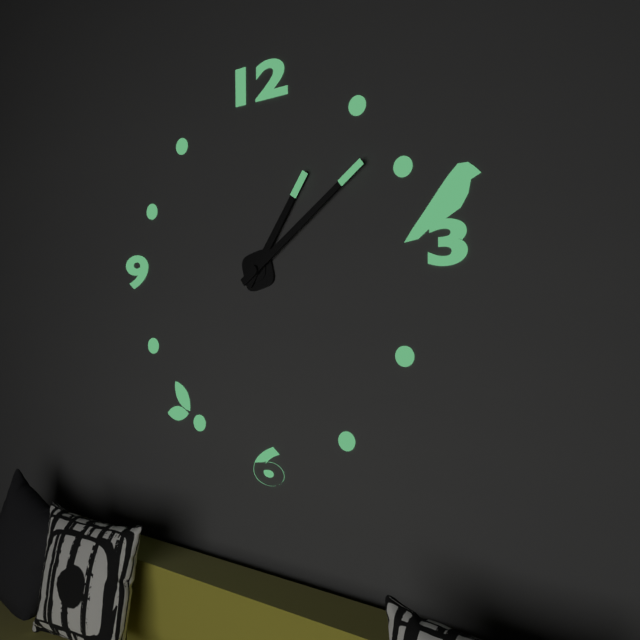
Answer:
h=1 m=9
